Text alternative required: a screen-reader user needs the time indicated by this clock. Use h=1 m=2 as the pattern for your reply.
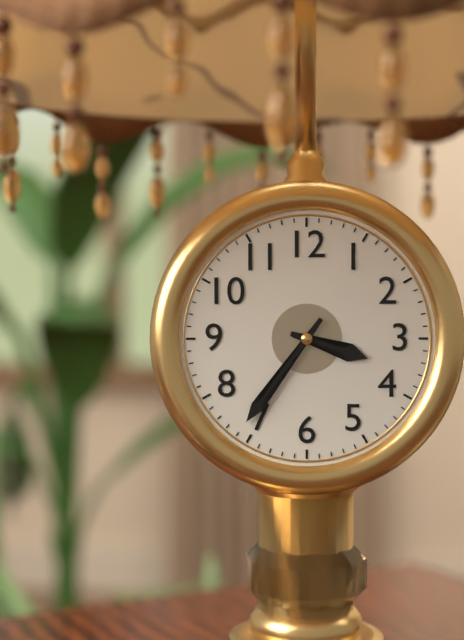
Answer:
h=3 m=36
